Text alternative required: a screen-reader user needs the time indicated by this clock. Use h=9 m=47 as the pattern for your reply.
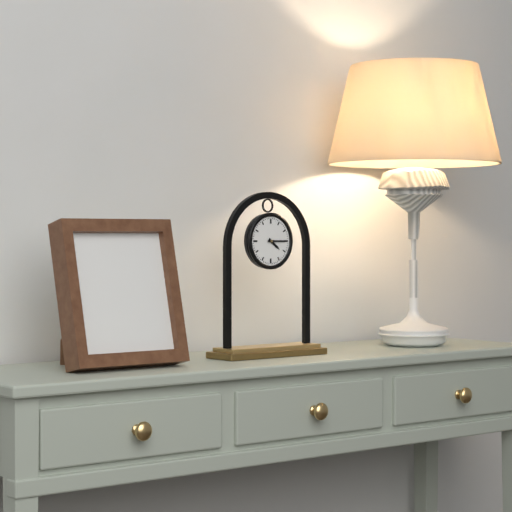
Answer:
h=4 m=15
